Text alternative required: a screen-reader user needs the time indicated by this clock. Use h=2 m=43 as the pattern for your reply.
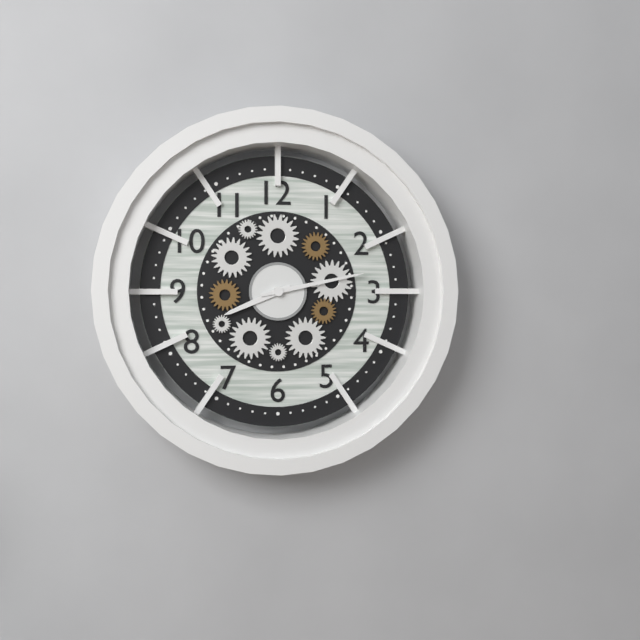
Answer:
h=8 m=13
